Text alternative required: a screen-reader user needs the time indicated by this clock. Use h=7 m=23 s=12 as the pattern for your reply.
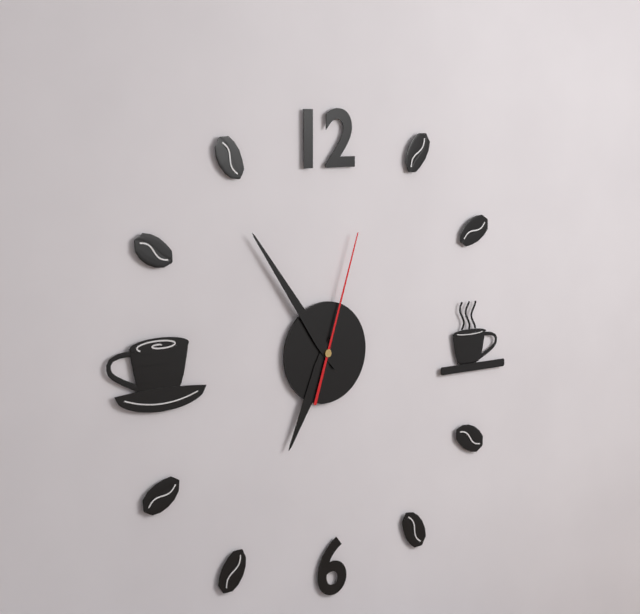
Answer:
h=6 m=54 s=3
